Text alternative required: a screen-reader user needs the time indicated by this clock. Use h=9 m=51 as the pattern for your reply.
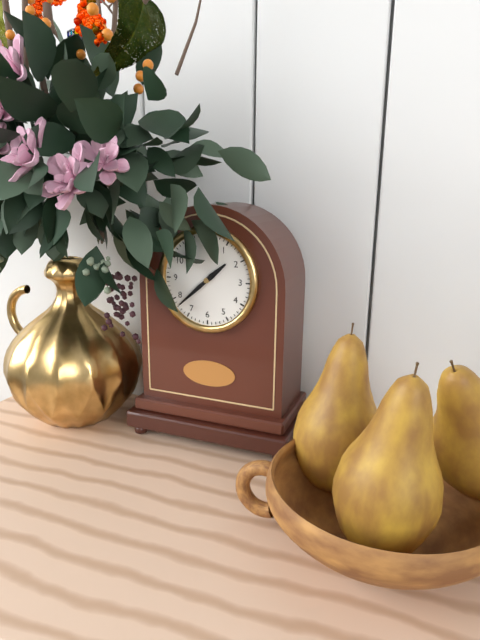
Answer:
h=1 m=38
